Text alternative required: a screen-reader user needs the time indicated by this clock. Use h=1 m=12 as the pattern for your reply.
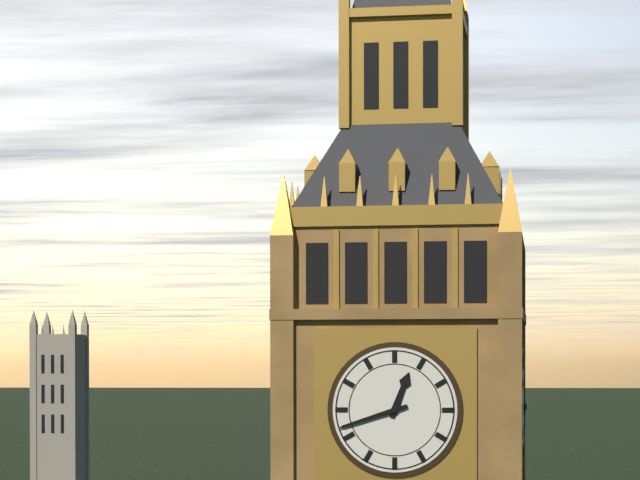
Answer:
h=12 m=42
